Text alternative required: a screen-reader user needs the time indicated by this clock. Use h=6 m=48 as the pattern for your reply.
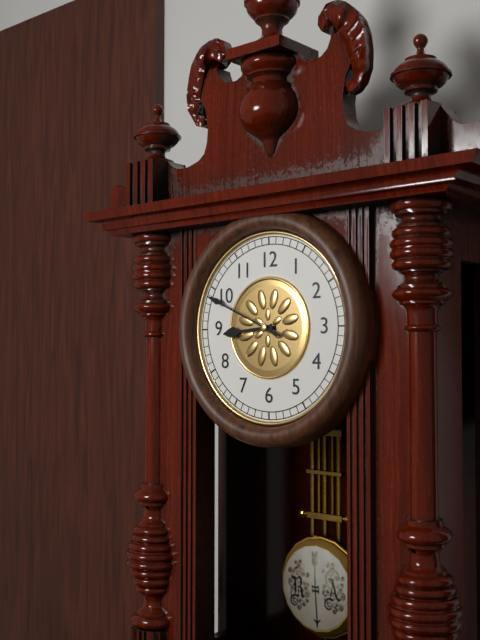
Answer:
h=8 m=49
